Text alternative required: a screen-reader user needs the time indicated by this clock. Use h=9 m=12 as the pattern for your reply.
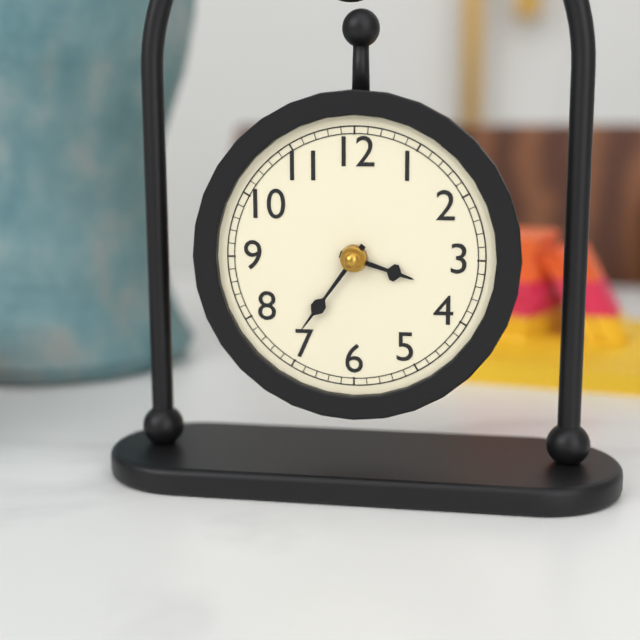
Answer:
h=3 m=36
